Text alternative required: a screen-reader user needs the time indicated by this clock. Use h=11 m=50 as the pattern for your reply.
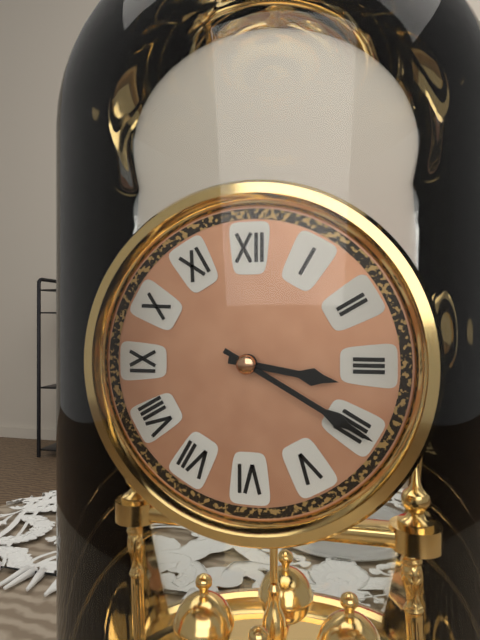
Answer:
h=3 m=20
